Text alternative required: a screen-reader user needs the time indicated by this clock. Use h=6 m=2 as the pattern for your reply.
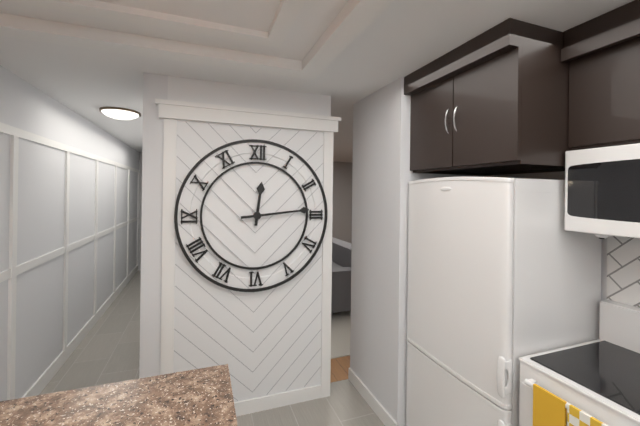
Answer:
h=12 m=14
